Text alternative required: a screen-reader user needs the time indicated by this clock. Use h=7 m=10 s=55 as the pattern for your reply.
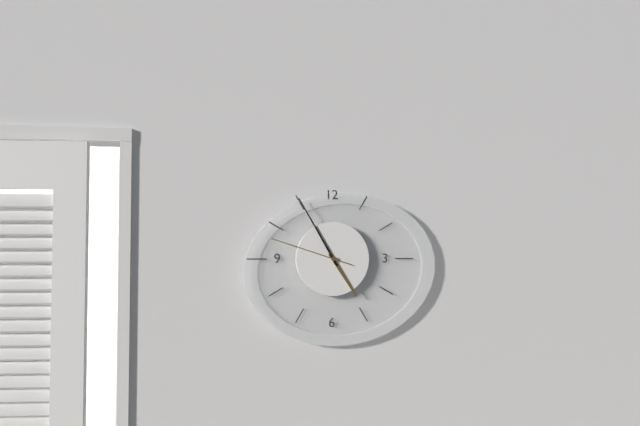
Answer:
h=4 m=55 s=48
